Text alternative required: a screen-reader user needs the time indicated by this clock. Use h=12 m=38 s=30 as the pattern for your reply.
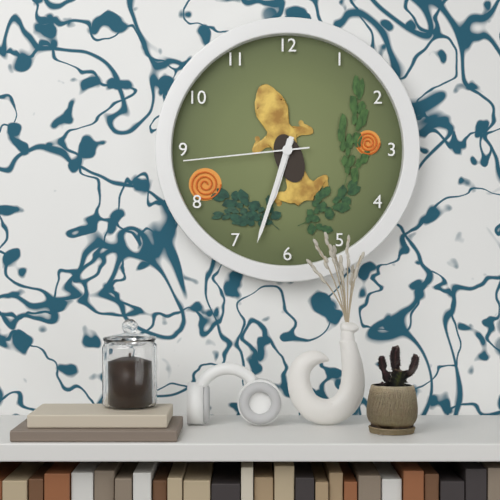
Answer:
h=6 m=33 s=44
